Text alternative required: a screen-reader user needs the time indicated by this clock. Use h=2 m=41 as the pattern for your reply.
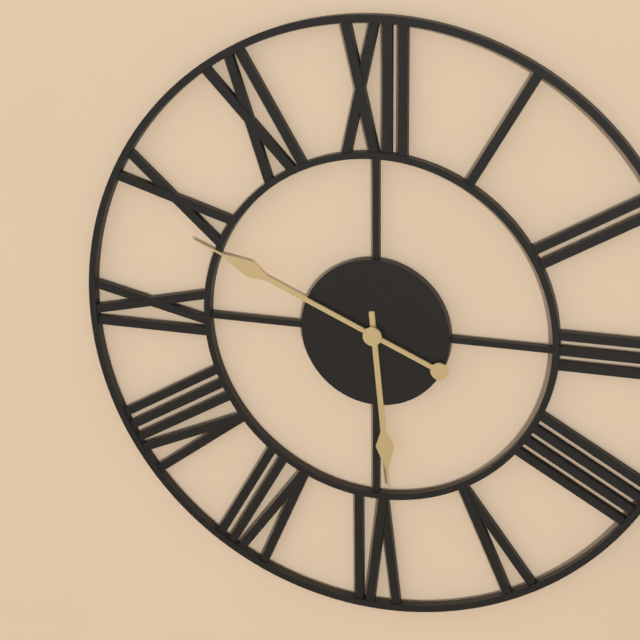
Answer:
h=5 m=49
